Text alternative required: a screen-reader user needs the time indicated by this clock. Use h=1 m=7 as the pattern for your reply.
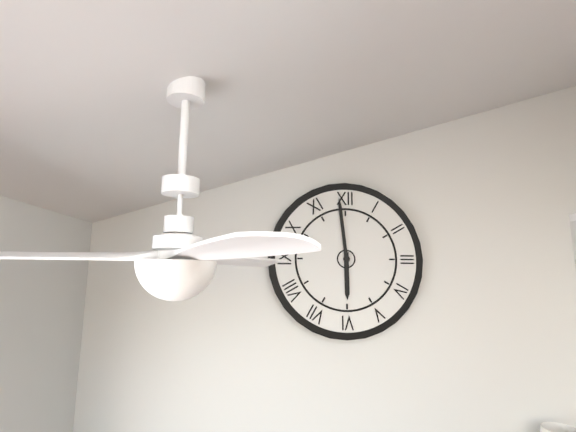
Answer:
h=5 m=59
